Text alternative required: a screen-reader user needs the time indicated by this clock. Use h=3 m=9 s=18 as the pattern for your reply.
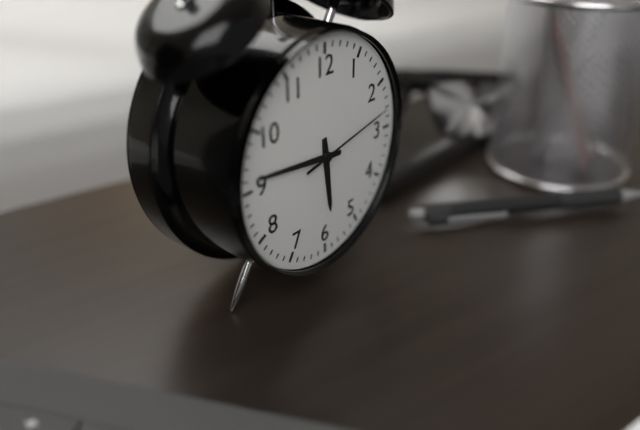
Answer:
h=5 m=46 s=13
